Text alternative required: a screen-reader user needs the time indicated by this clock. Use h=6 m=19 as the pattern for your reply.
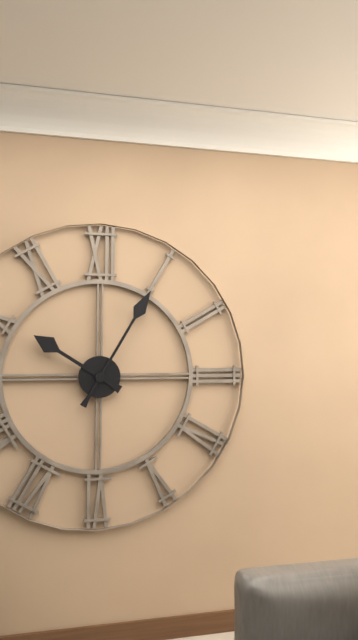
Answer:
h=10 m=5
